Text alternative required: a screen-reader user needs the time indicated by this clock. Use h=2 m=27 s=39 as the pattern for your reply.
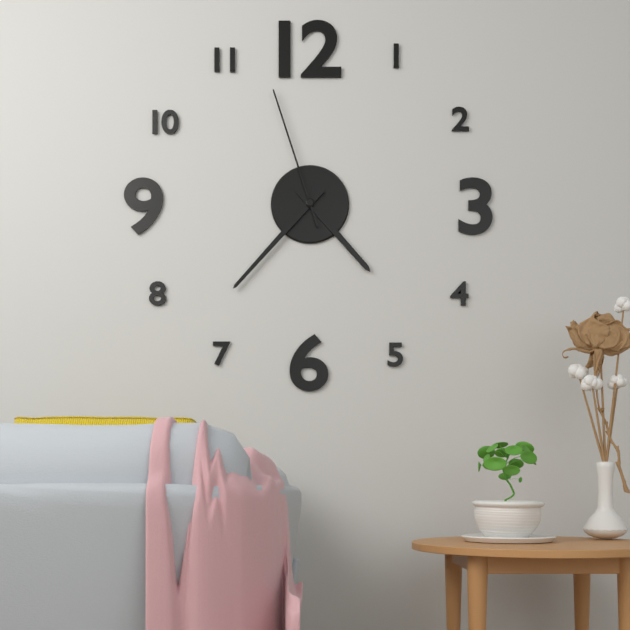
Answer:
h=4 m=37 s=57
